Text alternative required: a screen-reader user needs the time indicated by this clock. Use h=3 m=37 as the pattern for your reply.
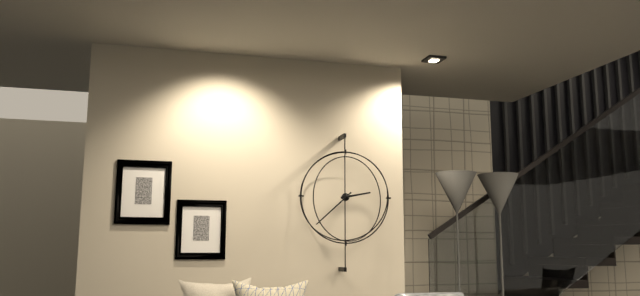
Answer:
h=2 m=38
